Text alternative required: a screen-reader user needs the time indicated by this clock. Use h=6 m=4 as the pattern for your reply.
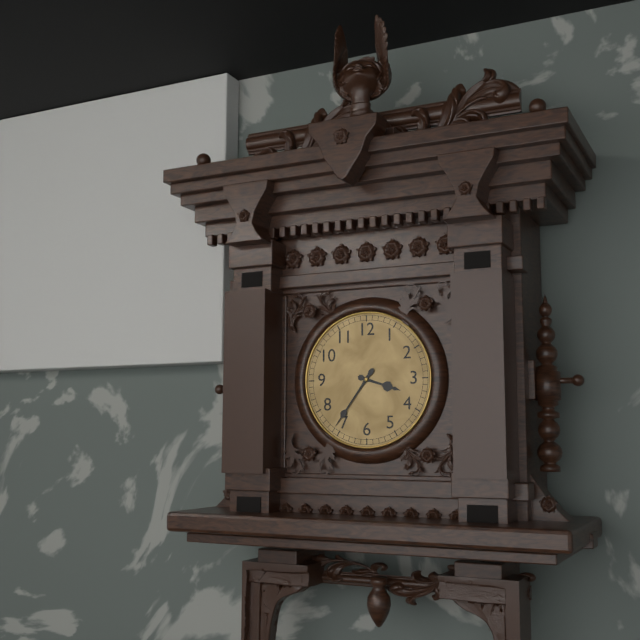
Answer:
h=3 m=36
